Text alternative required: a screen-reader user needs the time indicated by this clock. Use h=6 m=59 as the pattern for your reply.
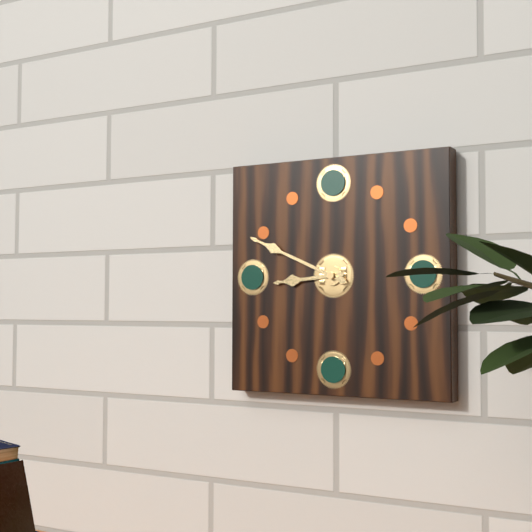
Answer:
h=8 m=49
